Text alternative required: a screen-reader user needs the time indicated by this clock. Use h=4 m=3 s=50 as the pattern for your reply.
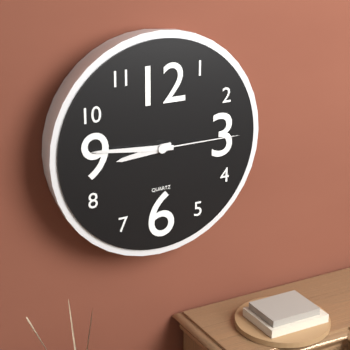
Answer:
h=8 m=46 s=15
